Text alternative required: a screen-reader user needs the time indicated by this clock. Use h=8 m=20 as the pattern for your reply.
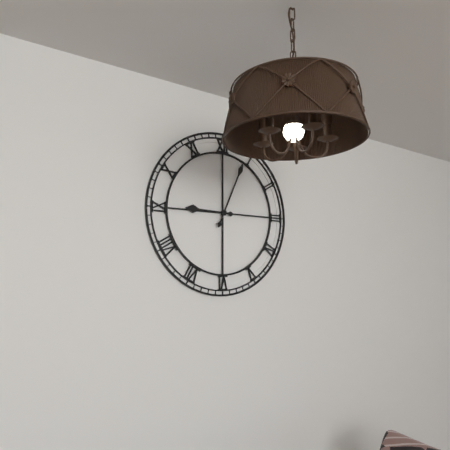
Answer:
h=9 m=4
